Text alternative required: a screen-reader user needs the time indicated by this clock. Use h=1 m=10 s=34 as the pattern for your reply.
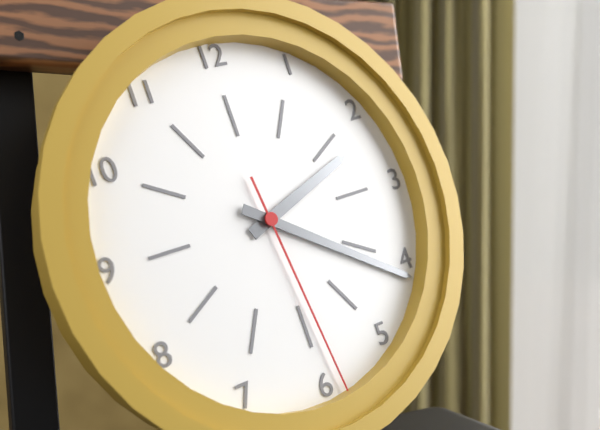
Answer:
h=2 m=21 s=29
